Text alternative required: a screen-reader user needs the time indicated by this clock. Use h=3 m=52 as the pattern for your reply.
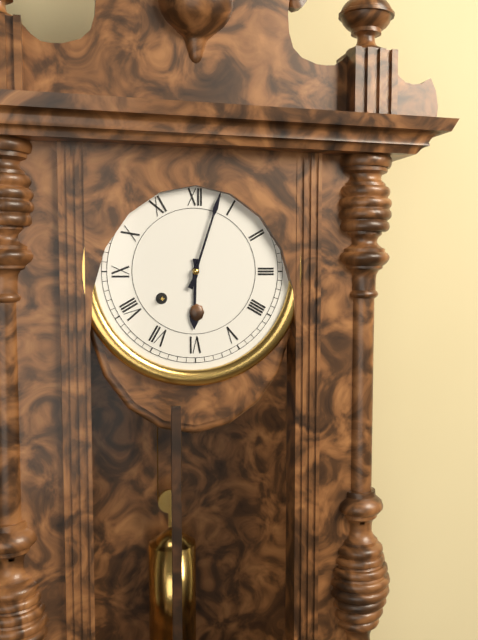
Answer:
h=6 m=3
